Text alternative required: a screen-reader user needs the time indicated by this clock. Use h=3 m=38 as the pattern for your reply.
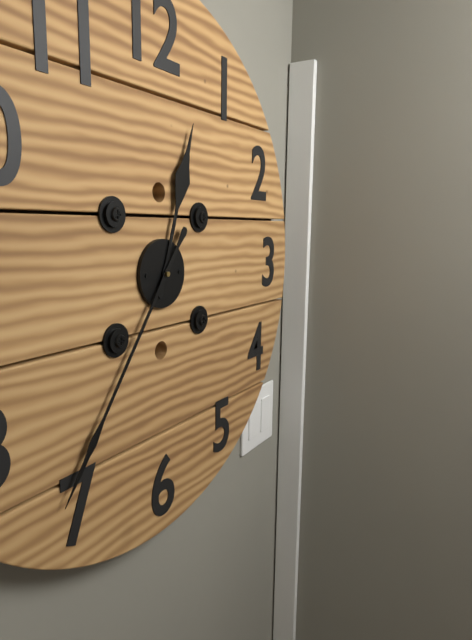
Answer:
h=12 m=36
